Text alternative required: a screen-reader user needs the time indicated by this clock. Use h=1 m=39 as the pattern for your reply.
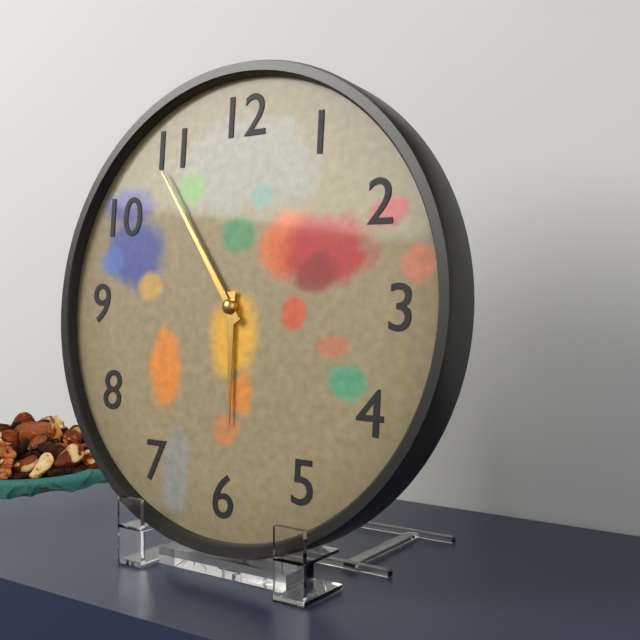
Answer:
h=5 m=54
